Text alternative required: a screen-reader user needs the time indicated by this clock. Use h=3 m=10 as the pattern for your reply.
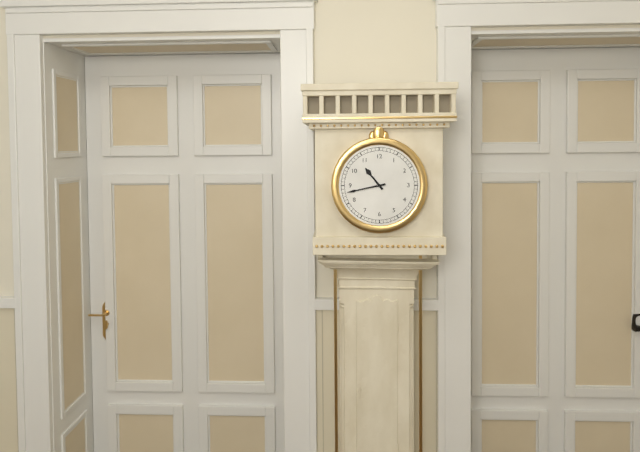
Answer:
h=10 m=43
